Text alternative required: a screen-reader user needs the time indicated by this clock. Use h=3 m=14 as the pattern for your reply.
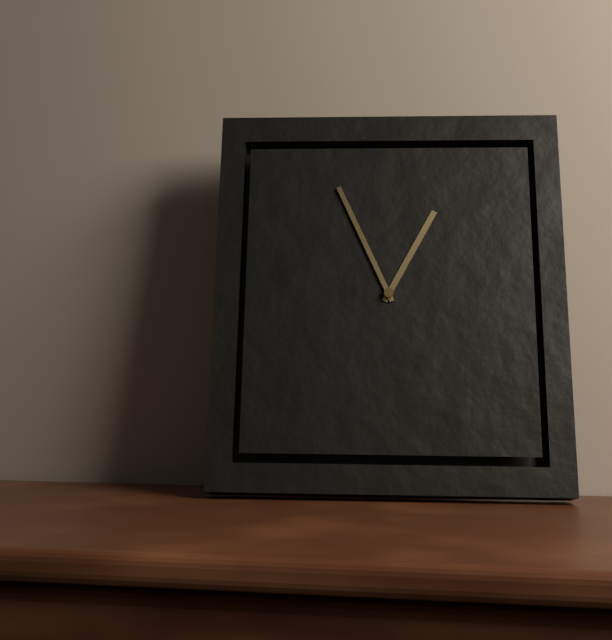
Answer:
h=12 m=56
